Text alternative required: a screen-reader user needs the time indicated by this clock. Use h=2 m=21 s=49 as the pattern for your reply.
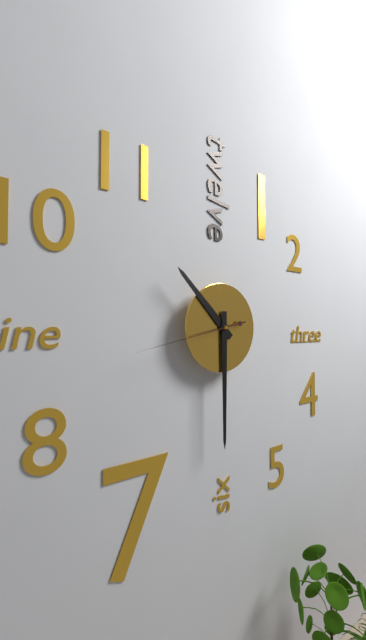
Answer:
h=10 m=30 s=43
